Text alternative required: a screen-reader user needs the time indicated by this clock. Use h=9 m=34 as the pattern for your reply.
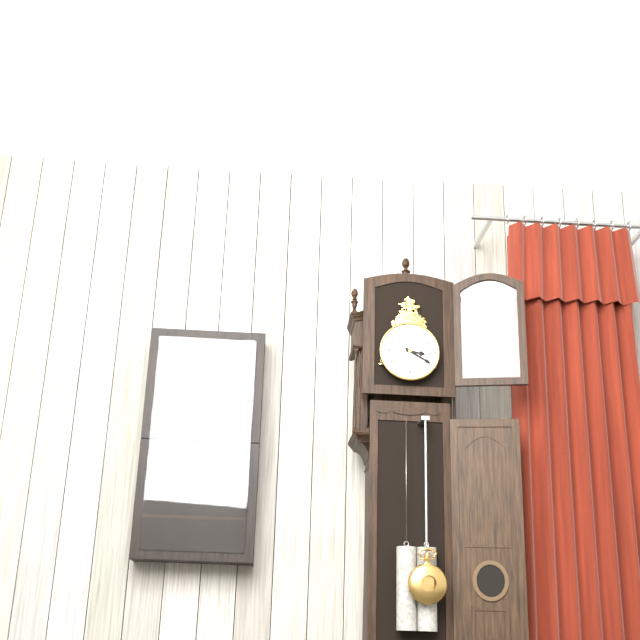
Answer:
h=3 m=20
